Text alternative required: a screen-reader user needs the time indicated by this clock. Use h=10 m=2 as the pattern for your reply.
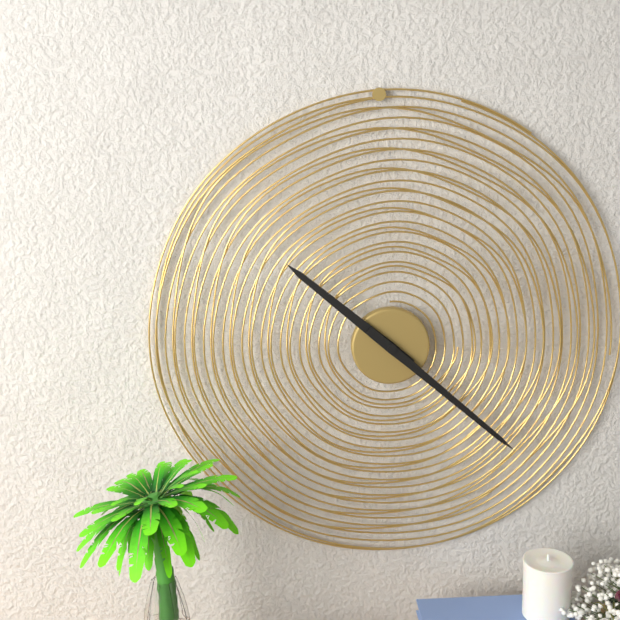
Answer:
h=10 m=22
